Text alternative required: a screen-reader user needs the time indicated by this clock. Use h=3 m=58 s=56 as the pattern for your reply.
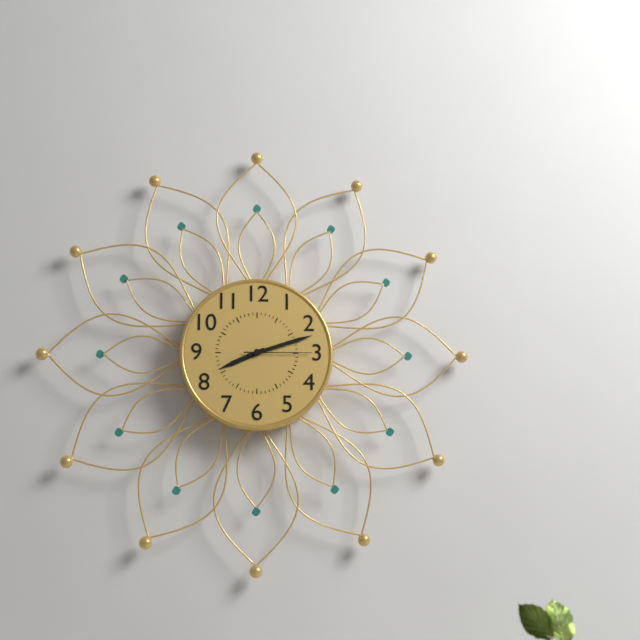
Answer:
h=8 m=12 s=15
